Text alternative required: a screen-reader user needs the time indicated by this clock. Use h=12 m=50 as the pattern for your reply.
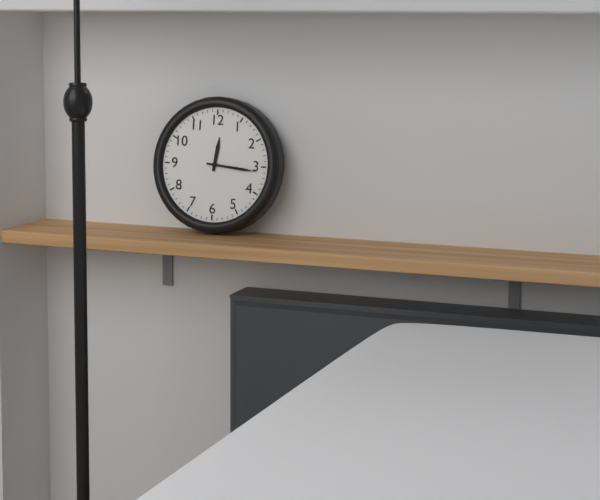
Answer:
h=12 m=16
